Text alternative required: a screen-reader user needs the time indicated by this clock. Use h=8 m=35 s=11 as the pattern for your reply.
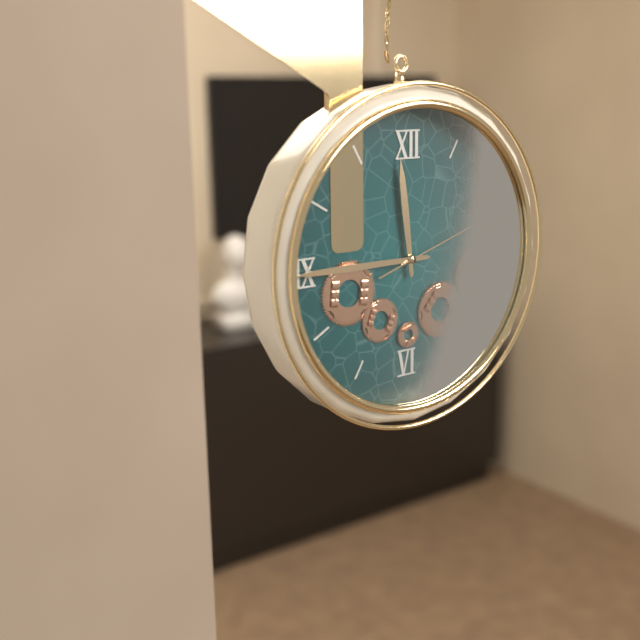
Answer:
h=11 m=45 s=12
